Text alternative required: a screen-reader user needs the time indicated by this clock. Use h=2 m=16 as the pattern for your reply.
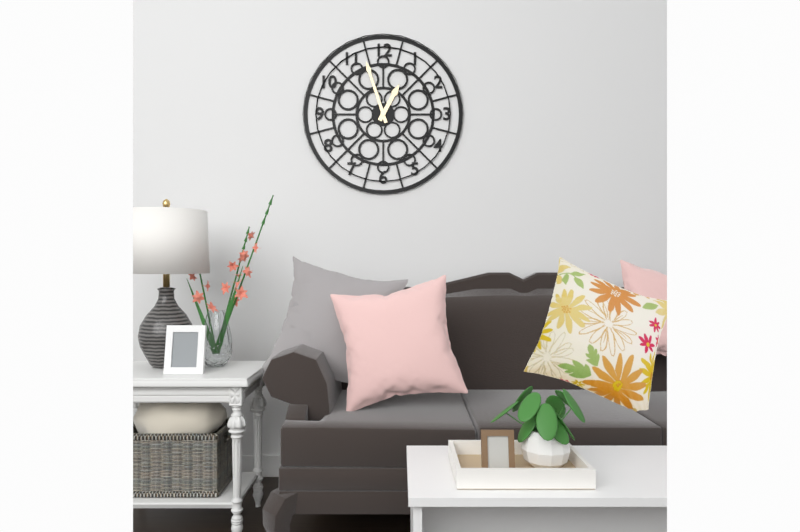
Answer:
h=12 m=57
